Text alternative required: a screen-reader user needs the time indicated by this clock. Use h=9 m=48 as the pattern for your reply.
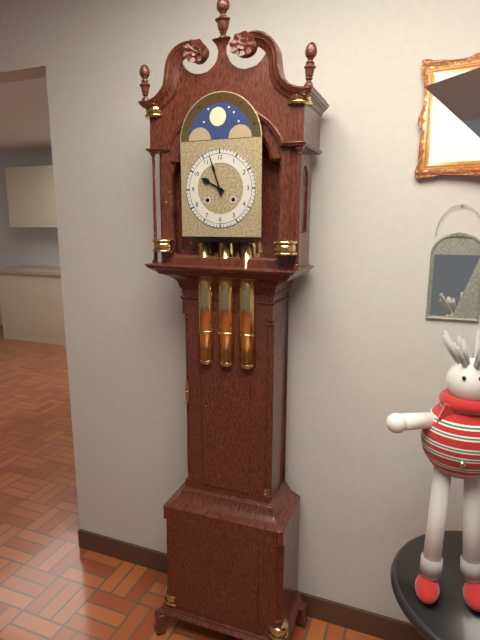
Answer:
h=9 m=57
